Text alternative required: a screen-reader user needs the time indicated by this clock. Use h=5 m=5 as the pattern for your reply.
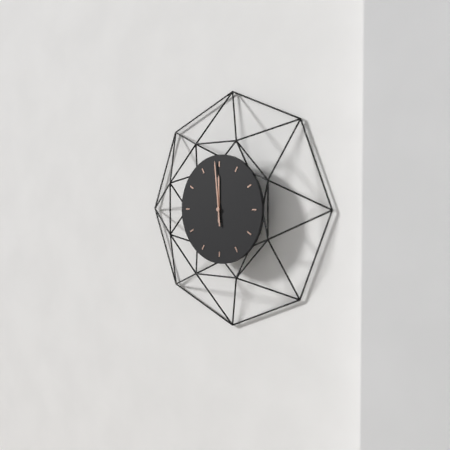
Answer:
h=11 m=59
